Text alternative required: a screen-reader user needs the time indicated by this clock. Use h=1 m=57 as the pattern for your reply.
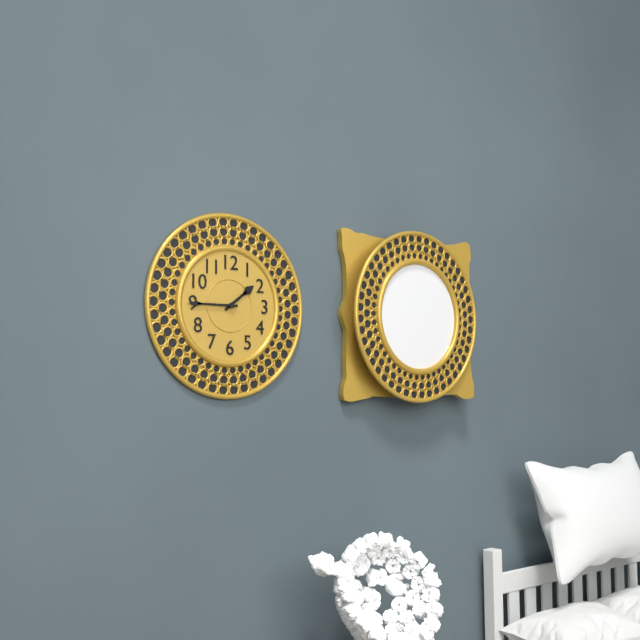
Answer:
h=1 m=45
